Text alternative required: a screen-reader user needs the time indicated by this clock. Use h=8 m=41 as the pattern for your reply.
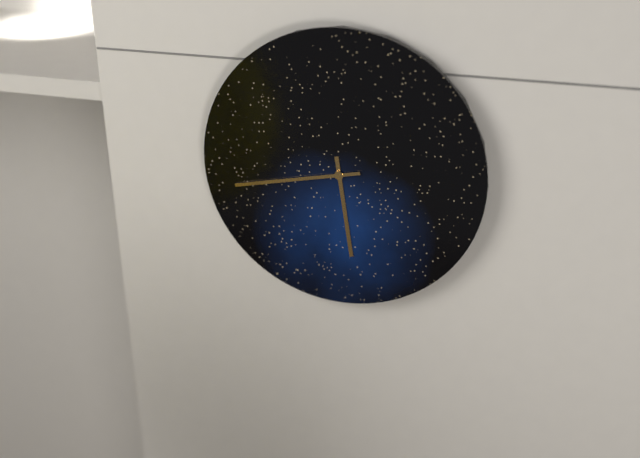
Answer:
h=5 m=43
